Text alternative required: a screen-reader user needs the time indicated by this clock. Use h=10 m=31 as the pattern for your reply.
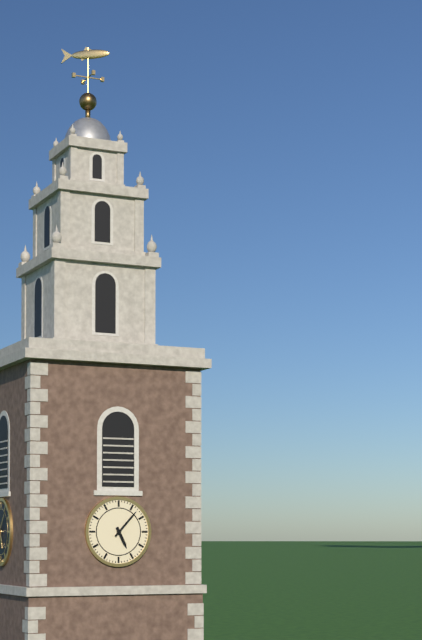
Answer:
h=5 m=7
